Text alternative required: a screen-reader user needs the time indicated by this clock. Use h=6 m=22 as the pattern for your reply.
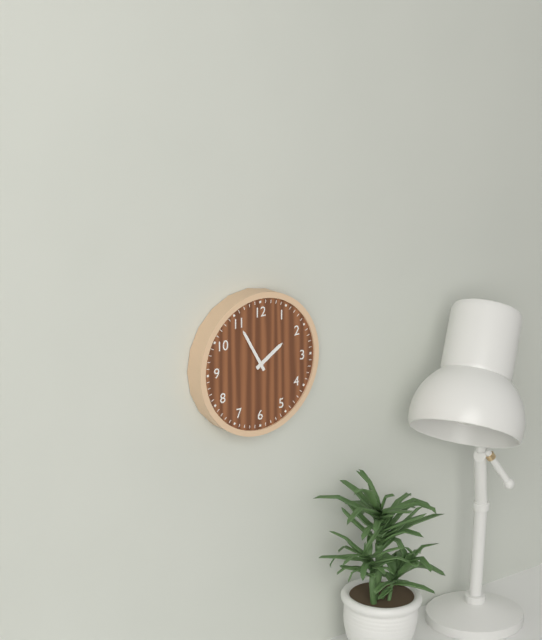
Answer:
h=1 m=55
